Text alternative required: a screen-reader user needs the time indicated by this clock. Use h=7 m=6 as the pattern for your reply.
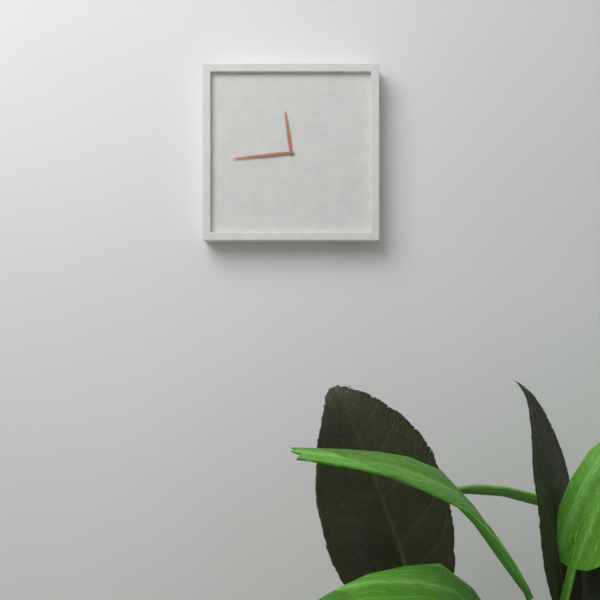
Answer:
h=11 m=44
